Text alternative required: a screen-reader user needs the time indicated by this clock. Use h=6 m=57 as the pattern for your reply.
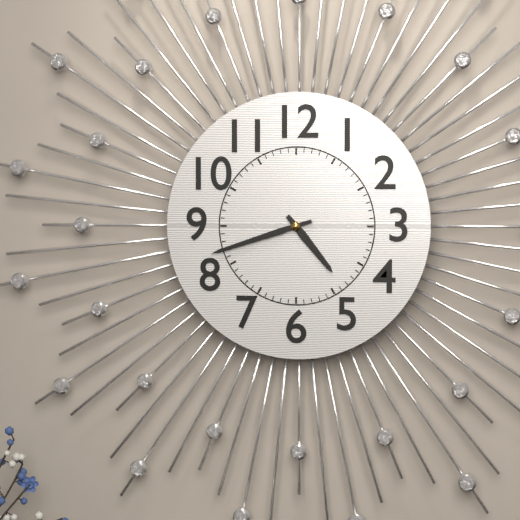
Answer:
h=4 m=42
